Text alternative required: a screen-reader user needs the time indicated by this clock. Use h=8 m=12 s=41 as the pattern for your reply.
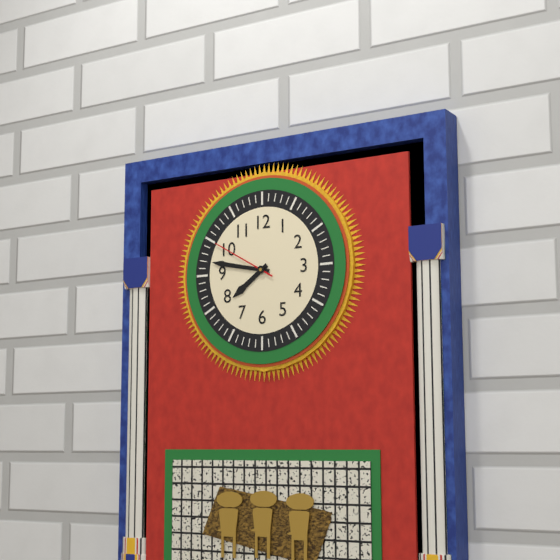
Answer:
h=7 m=47 s=50
